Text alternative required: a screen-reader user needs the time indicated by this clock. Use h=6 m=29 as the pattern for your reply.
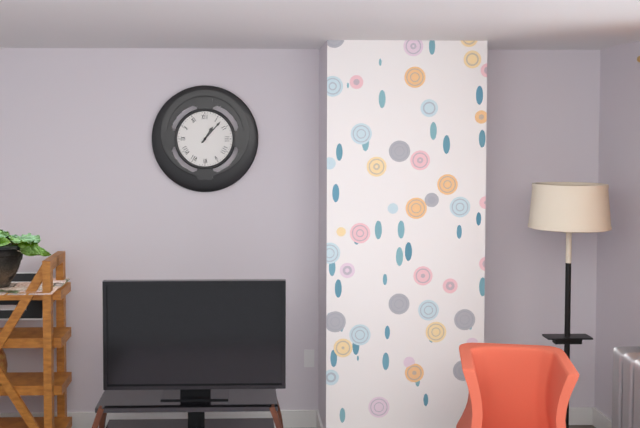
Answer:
h=1 m=7
